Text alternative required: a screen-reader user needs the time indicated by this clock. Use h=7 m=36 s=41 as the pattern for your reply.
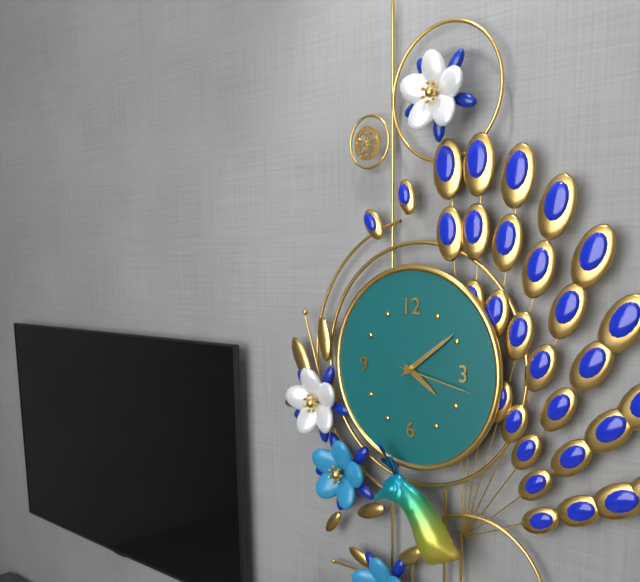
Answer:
h=4 m=9 s=17
